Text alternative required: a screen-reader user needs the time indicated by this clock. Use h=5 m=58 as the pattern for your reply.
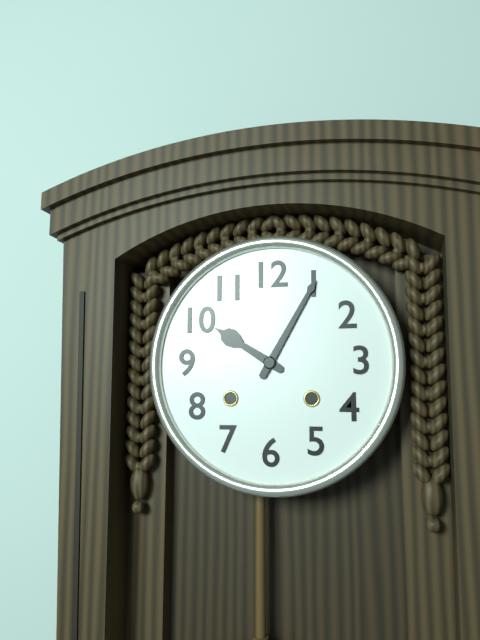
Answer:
h=10 m=5
